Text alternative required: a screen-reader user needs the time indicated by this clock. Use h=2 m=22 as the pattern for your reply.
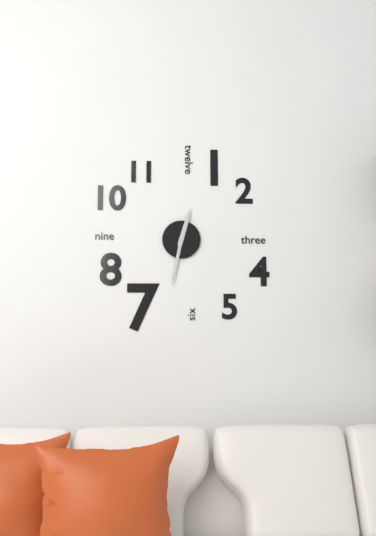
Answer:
h=12 m=32
